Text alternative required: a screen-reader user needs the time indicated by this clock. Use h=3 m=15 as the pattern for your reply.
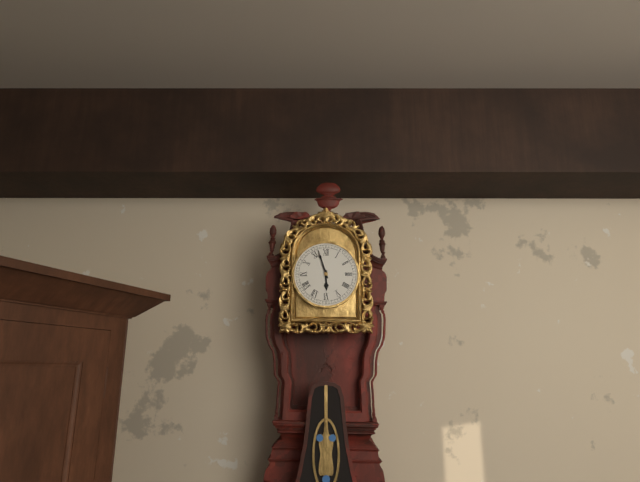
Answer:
h=5 m=57
